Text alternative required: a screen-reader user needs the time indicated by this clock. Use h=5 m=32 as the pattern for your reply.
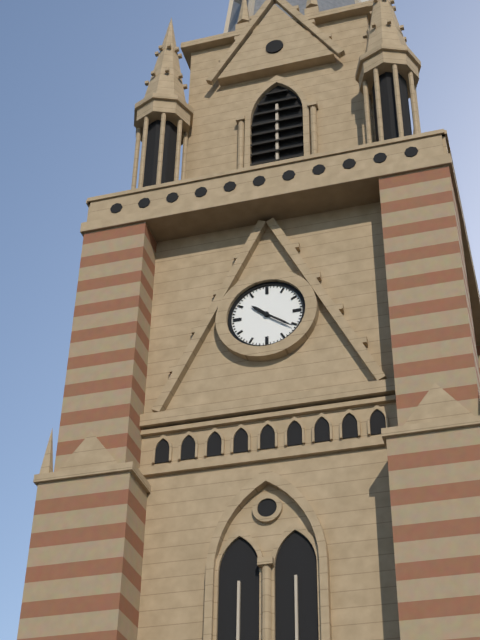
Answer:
h=10 m=21
